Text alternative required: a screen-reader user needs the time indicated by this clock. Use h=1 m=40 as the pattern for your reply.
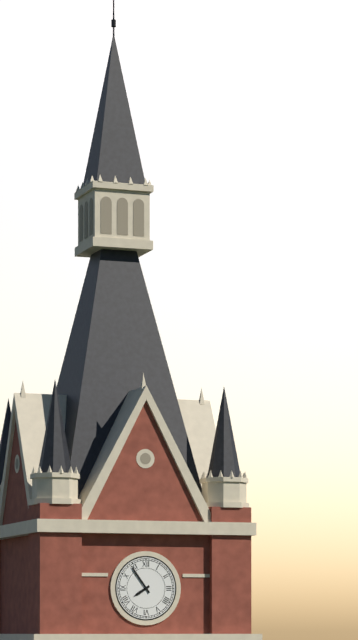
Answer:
h=7 m=54
